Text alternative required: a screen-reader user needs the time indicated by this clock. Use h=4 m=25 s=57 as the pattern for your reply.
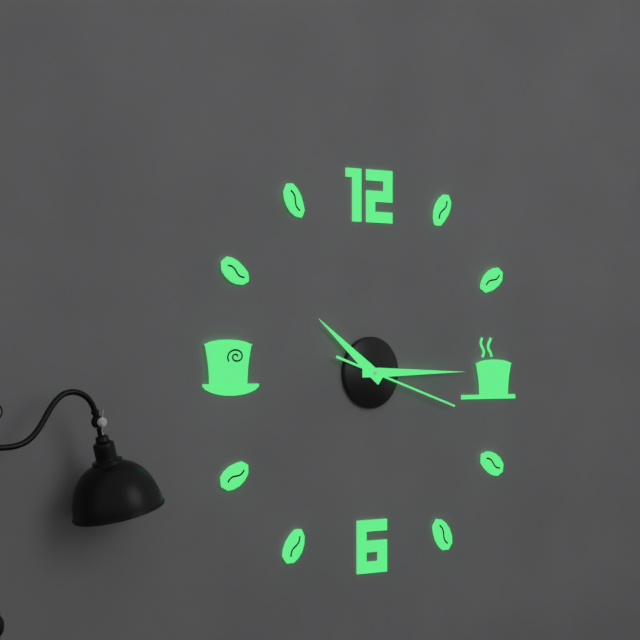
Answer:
h=10 m=15 s=18
